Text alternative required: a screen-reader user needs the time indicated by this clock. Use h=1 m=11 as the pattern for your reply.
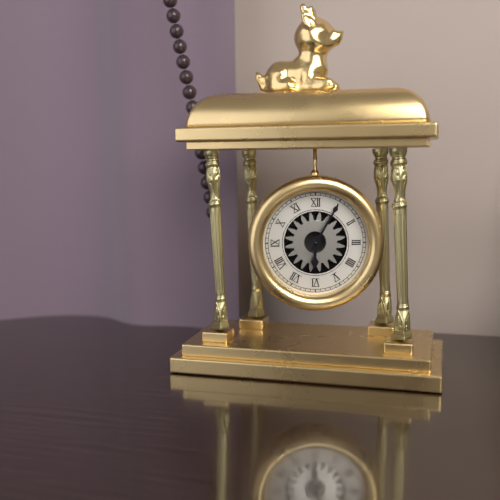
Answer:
h=6 m=5
